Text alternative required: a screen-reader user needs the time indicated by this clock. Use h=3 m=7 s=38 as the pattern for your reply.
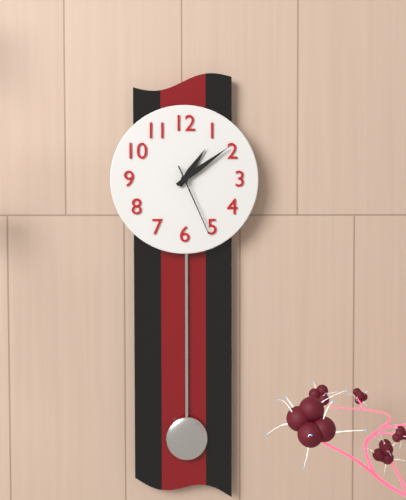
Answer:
h=1 m=9 s=26
